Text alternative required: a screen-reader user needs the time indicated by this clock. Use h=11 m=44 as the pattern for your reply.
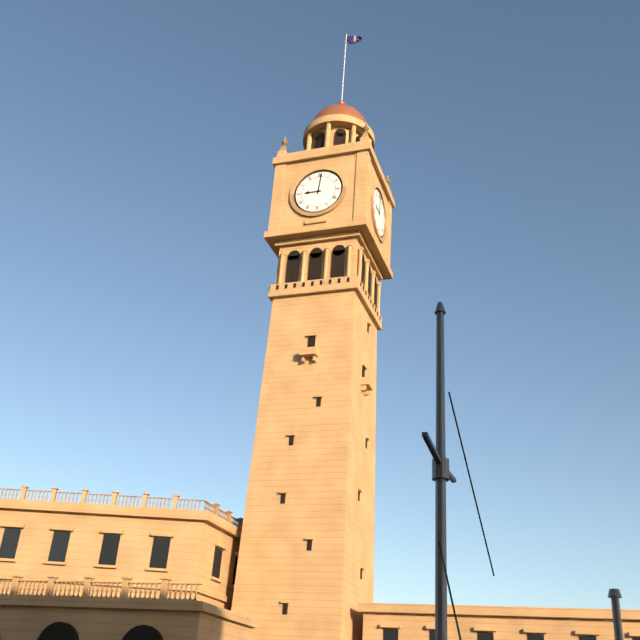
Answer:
h=9 m=1
